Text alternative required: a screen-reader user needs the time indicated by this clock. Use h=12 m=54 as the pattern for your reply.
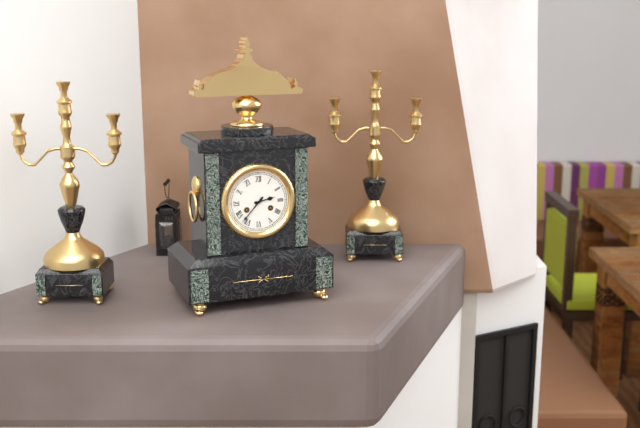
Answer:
h=2 m=37
